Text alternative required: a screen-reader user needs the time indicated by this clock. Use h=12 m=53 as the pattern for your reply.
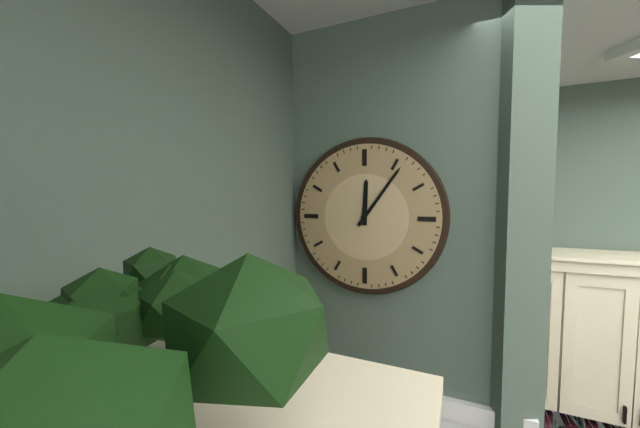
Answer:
h=12 m=6
